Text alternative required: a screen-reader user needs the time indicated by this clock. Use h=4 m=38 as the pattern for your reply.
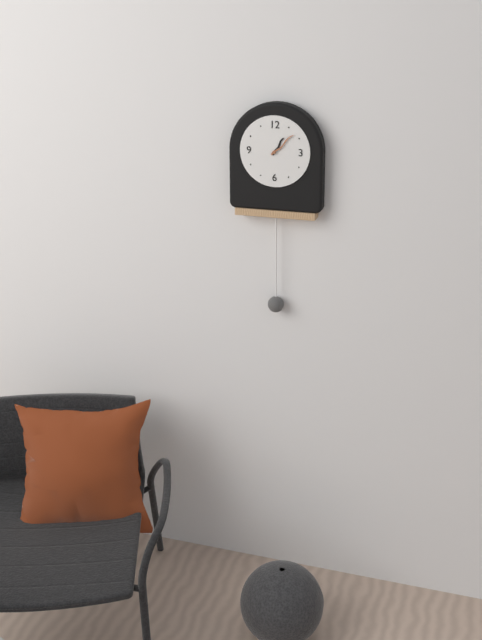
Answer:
h=1 m=8
